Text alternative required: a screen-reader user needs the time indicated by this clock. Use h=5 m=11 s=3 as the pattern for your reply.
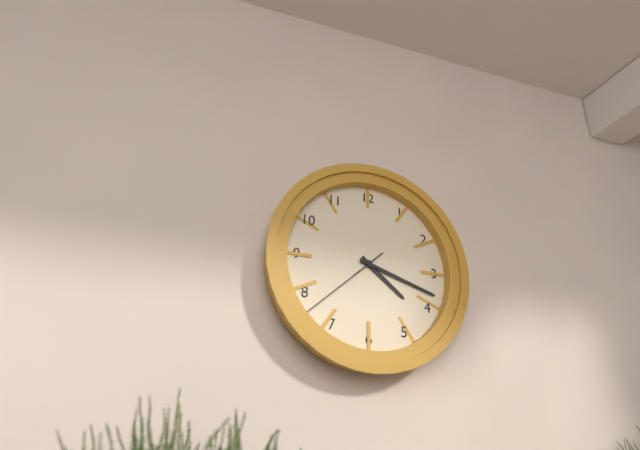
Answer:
h=4 m=18 s=38
